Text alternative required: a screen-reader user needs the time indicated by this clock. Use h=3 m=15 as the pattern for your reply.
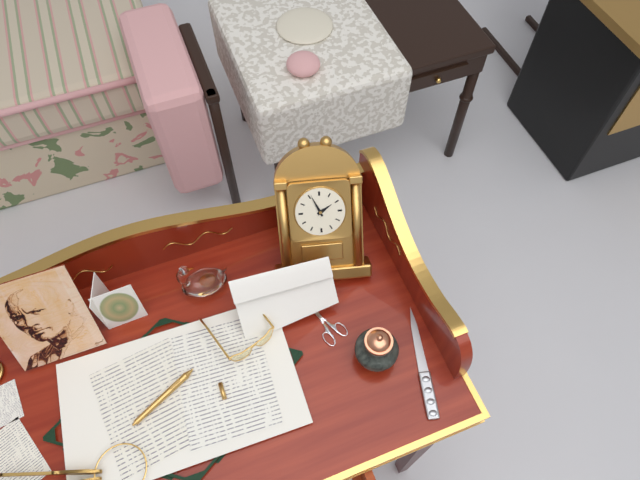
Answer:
h=1 m=56
